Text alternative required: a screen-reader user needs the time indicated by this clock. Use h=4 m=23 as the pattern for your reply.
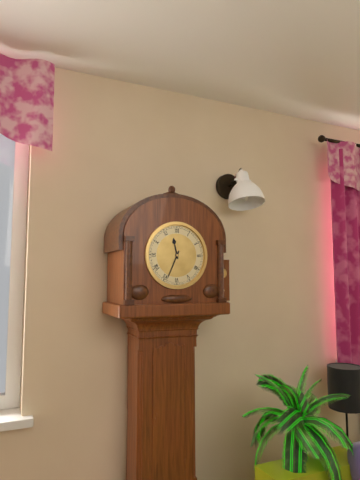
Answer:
h=11 m=34
